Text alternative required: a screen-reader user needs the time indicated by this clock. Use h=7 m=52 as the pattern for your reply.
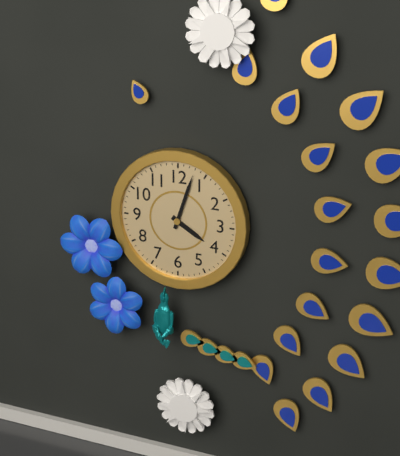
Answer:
h=4 m=3
